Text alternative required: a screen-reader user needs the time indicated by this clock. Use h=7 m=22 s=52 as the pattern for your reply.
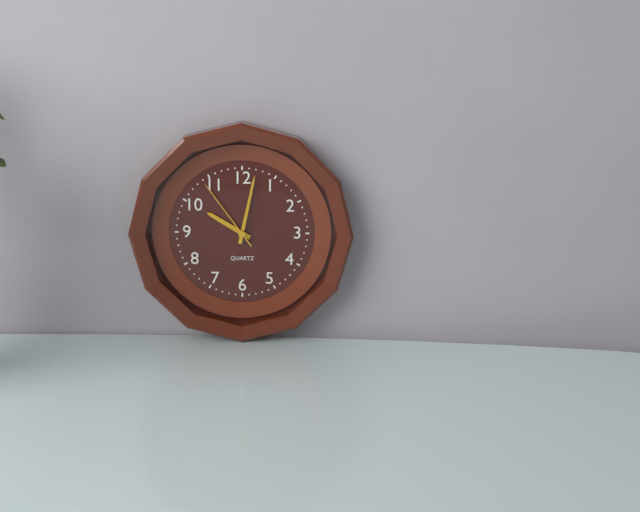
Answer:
h=10 m=2 s=54
